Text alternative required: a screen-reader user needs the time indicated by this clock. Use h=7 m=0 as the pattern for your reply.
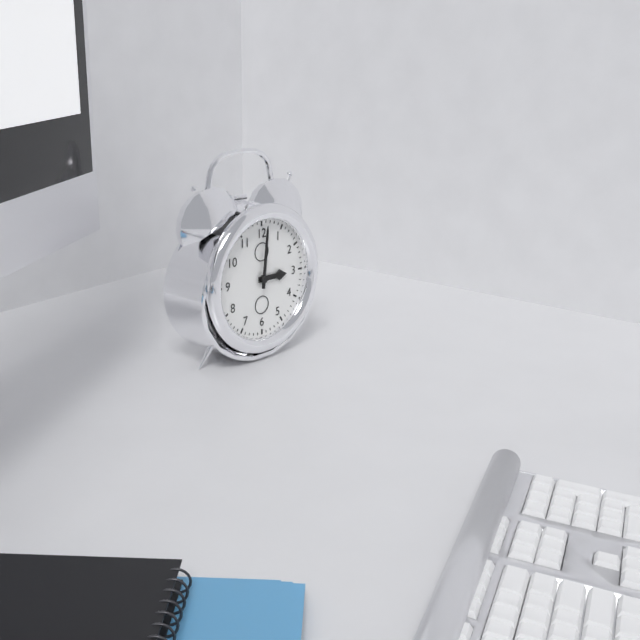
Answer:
h=3 m=1
